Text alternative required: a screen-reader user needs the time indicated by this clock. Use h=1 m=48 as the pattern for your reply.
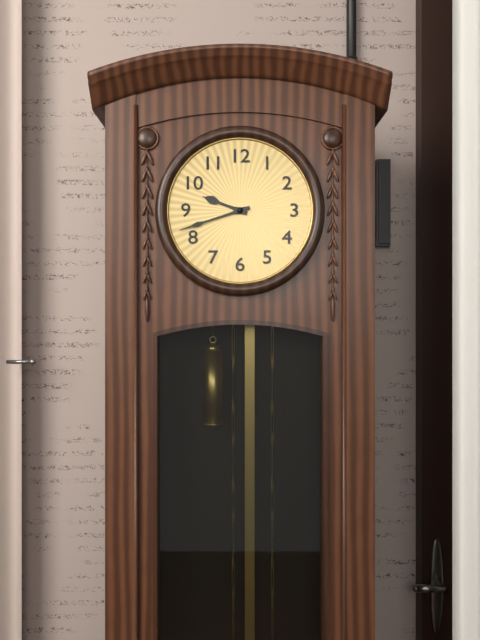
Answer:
h=9 m=42
